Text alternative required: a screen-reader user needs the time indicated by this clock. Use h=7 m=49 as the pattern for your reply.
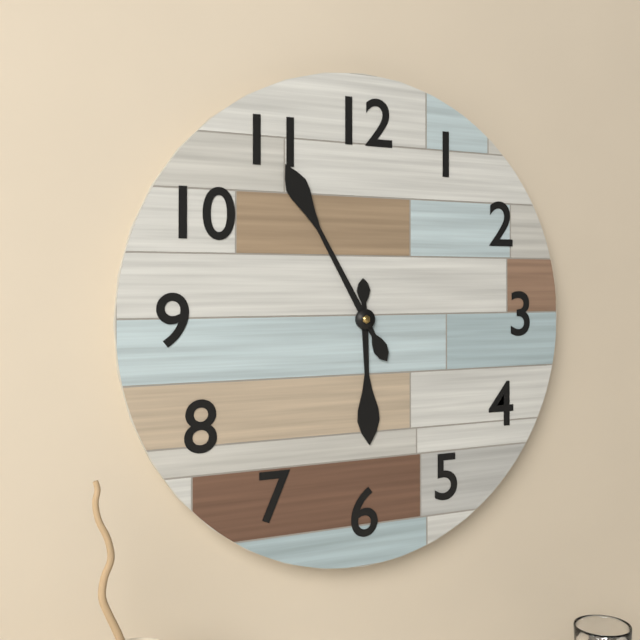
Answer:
h=5 m=55
